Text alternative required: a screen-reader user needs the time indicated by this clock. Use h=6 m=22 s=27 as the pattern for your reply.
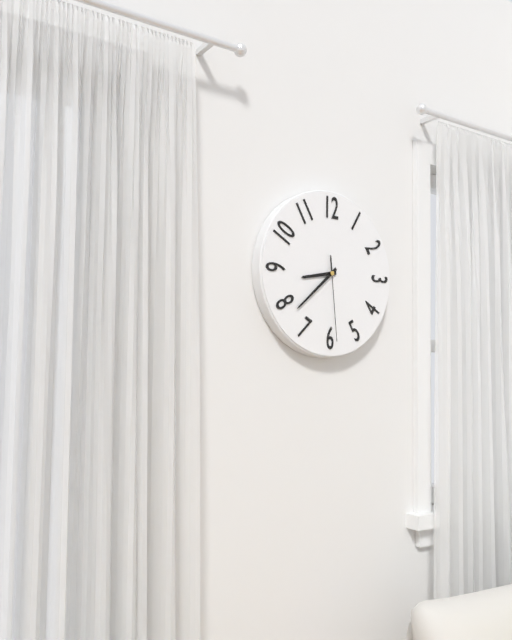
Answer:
h=8 m=38 s=29
